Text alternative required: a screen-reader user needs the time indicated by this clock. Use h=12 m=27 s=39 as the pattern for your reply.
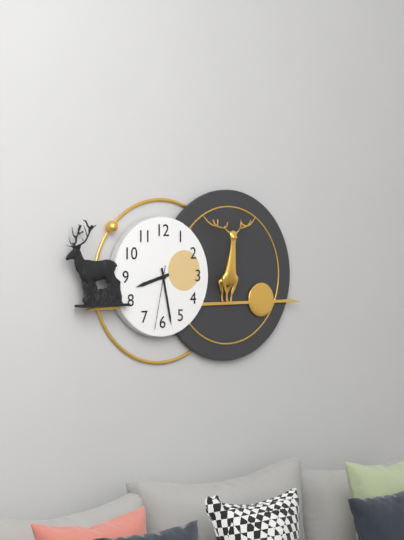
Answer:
h=8 m=28 s=32
